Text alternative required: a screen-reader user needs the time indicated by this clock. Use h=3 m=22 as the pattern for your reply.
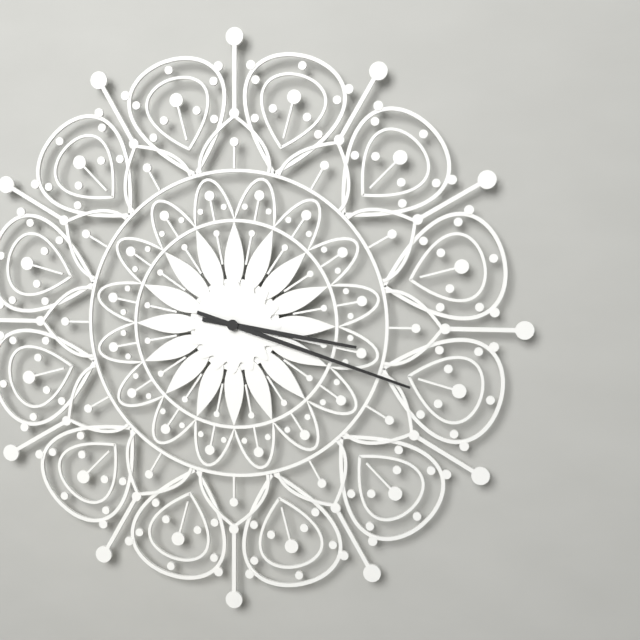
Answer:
h=3 m=18
